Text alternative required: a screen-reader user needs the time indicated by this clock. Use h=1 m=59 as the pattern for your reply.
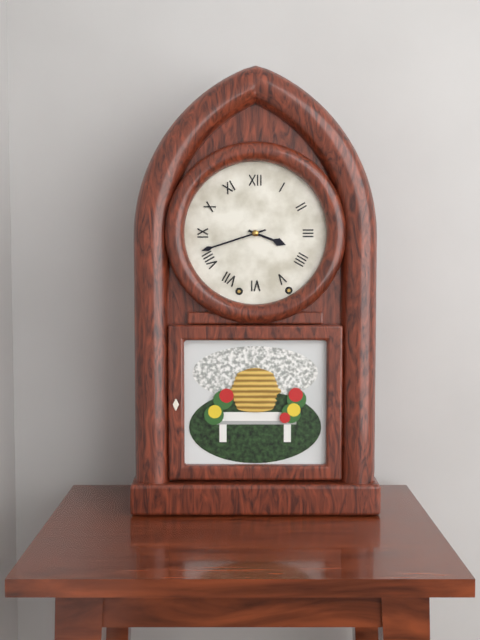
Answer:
h=3 m=42
